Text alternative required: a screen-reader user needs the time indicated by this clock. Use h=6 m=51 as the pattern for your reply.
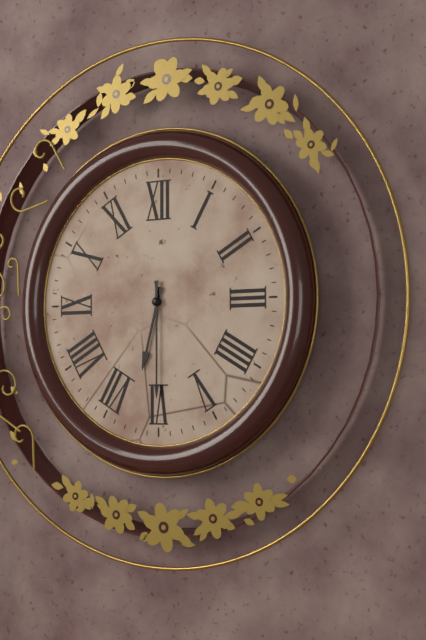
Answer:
h=6 m=30
